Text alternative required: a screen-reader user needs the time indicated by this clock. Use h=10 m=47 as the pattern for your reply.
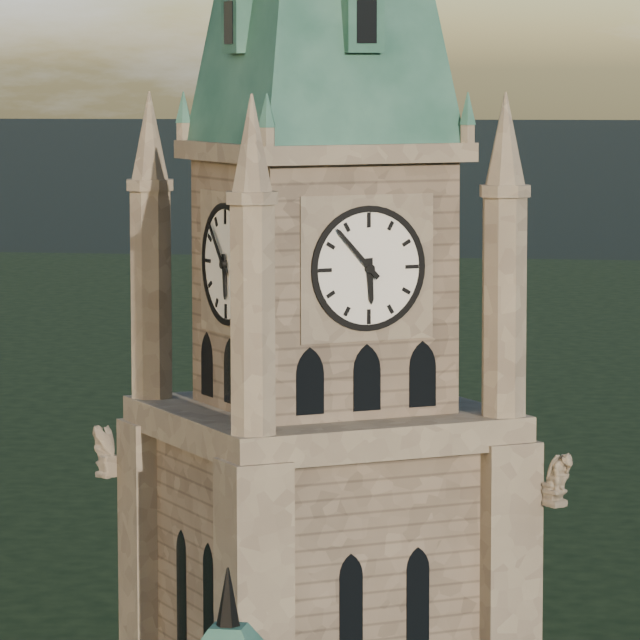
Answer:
h=5 m=53
